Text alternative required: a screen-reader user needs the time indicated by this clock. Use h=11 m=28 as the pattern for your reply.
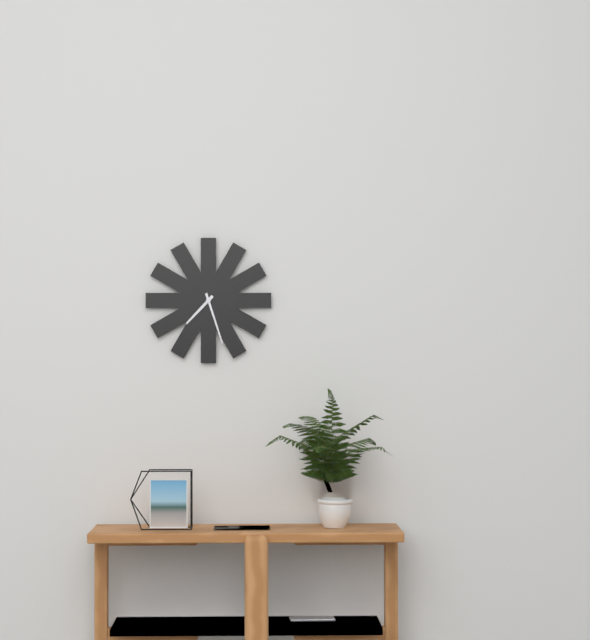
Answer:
h=7 m=27
